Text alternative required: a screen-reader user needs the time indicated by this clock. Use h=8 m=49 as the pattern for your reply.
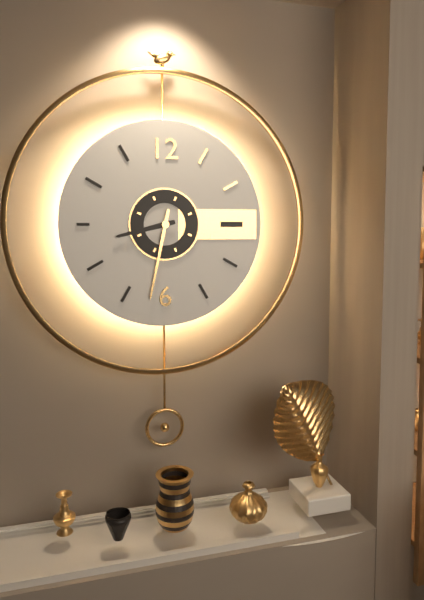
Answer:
h=8 m=32
